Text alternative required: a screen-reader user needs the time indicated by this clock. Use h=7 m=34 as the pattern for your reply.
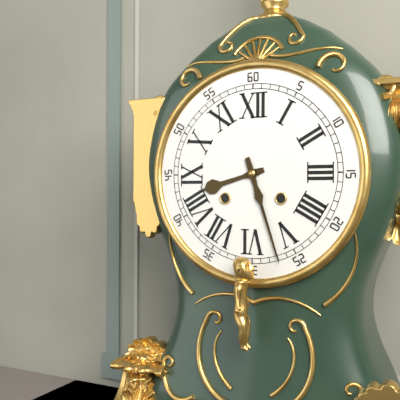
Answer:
h=8 m=27
